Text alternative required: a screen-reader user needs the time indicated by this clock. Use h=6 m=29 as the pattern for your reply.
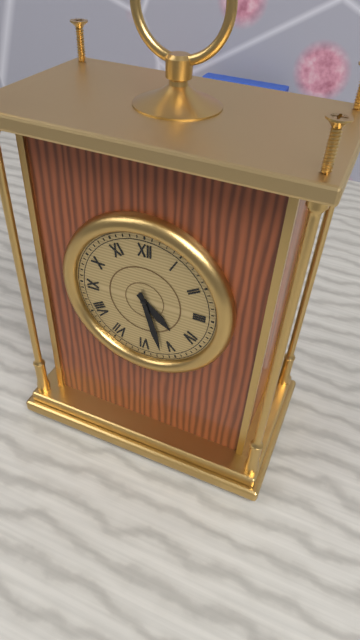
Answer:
h=4 m=27
